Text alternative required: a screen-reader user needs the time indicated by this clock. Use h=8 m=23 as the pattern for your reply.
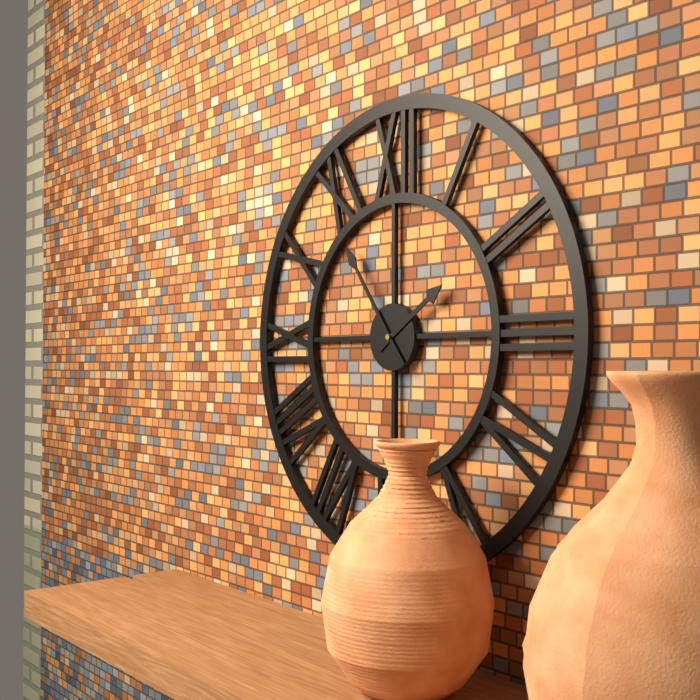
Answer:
h=1 m=54
